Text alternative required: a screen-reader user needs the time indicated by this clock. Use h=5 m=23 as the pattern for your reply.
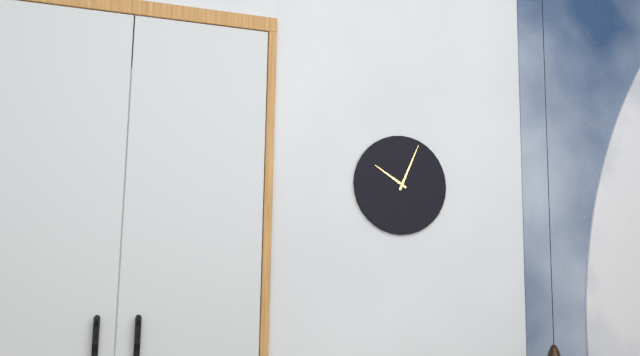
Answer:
h=10 m=4
